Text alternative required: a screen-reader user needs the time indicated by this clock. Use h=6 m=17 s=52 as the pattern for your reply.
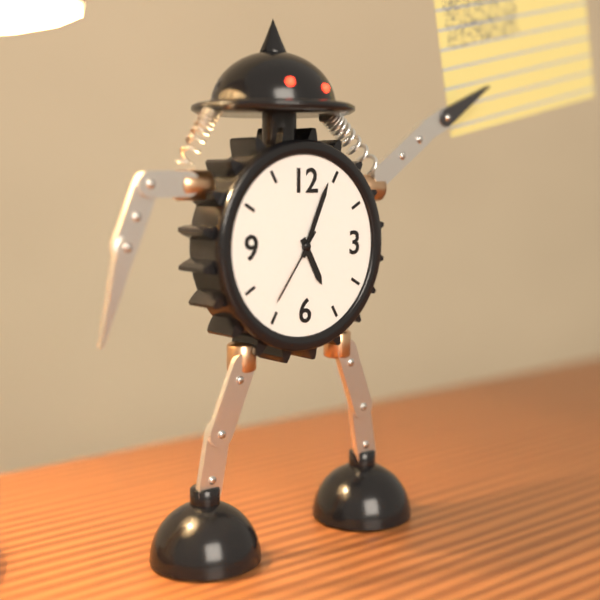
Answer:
h=5 m=4 s=36
